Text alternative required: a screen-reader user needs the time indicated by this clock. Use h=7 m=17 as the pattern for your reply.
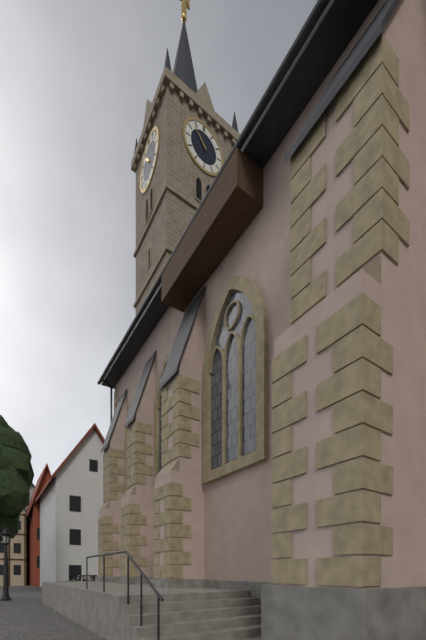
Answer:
h=10 m=53
